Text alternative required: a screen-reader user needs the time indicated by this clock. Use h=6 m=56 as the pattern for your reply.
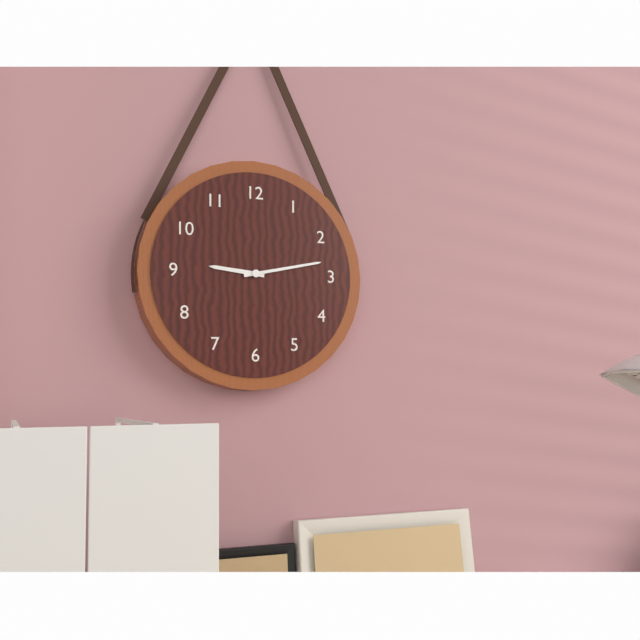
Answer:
h=9 m=13
